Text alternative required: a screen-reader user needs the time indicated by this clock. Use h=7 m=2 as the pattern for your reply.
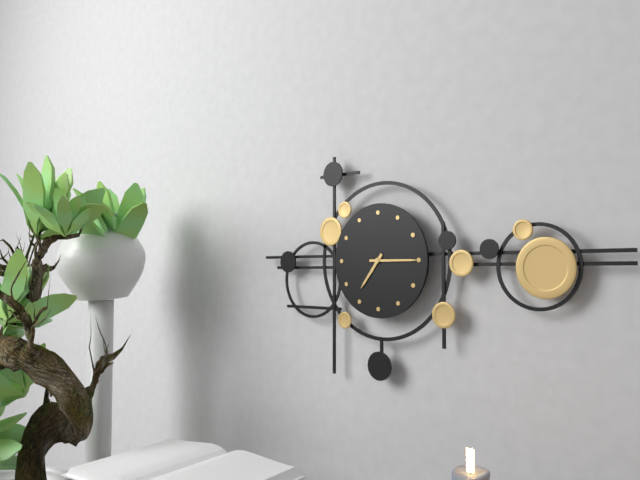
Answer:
h=7 m=15
